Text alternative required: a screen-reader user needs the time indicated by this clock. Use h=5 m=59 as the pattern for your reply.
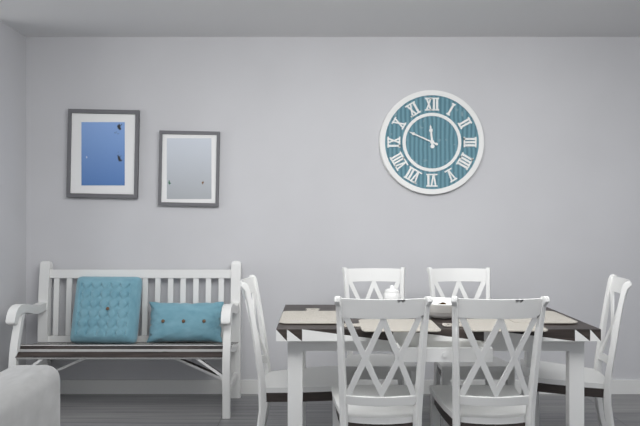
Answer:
h=11 m=49
